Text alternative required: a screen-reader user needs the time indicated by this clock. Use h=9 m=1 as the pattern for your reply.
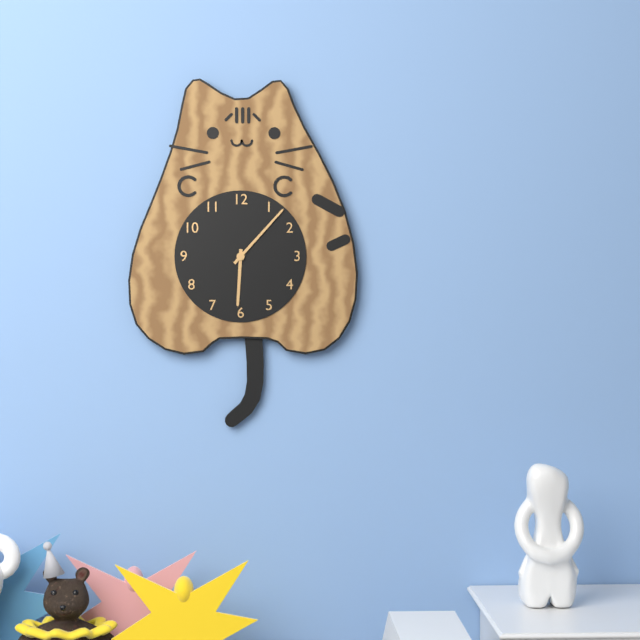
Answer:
h=6 m=7
